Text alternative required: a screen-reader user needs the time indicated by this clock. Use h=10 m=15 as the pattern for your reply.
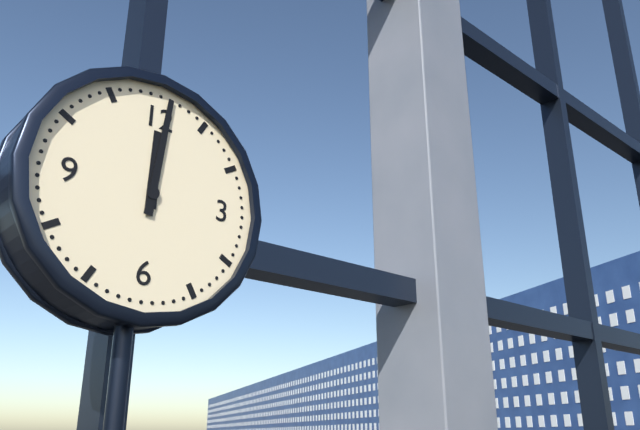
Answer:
h=12 m=1
